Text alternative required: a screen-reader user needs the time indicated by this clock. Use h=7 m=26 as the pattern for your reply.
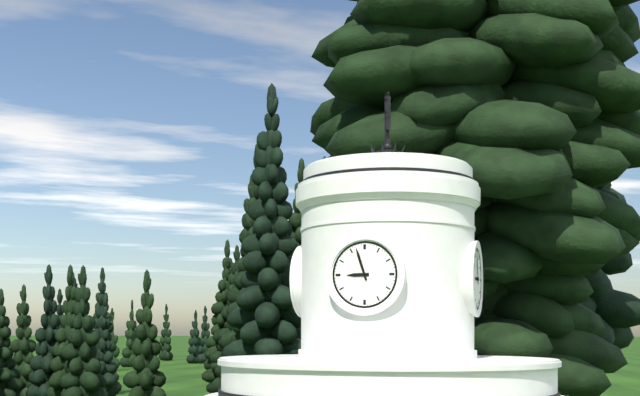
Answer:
h=8 m=57
